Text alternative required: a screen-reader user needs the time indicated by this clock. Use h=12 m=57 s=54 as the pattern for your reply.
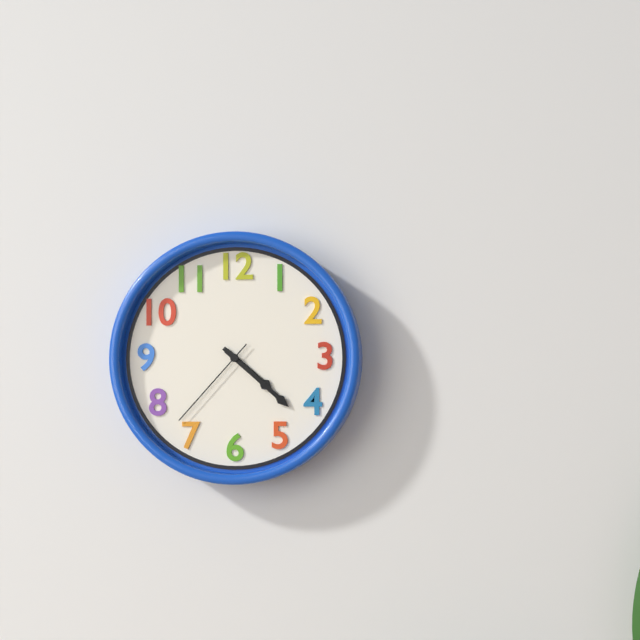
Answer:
h=4 m=22 s=37
